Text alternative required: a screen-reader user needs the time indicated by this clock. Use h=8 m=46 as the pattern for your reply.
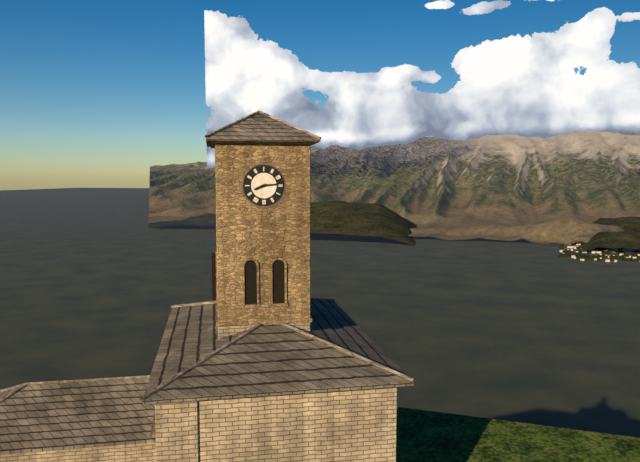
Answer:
h=8 m=14
